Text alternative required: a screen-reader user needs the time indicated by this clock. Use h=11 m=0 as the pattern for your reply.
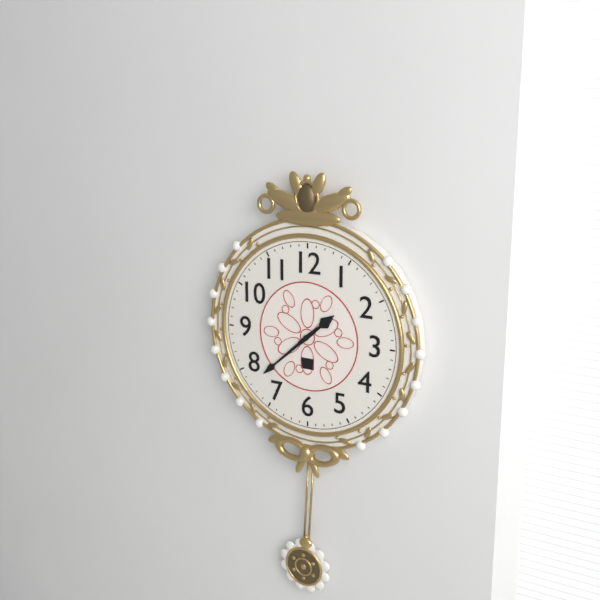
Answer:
h=1 m=38
